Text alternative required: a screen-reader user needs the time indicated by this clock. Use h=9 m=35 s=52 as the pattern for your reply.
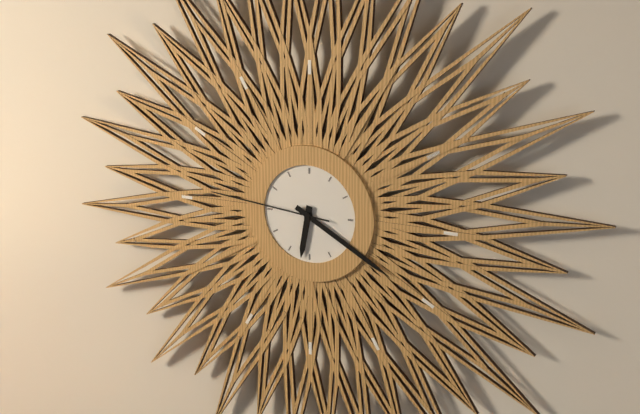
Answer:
h=6 m=20 s=46
